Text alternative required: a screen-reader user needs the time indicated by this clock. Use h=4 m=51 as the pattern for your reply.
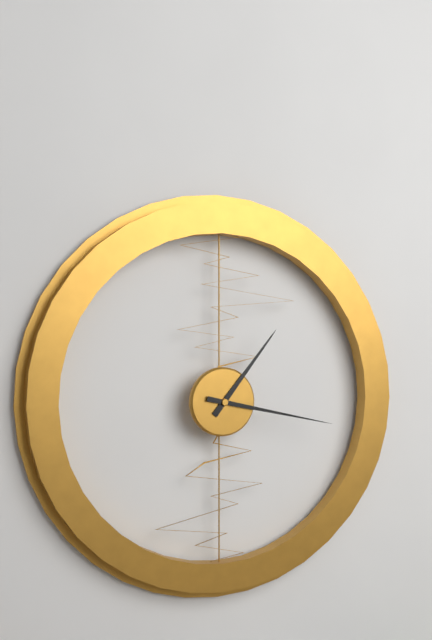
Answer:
h=1 m=17
